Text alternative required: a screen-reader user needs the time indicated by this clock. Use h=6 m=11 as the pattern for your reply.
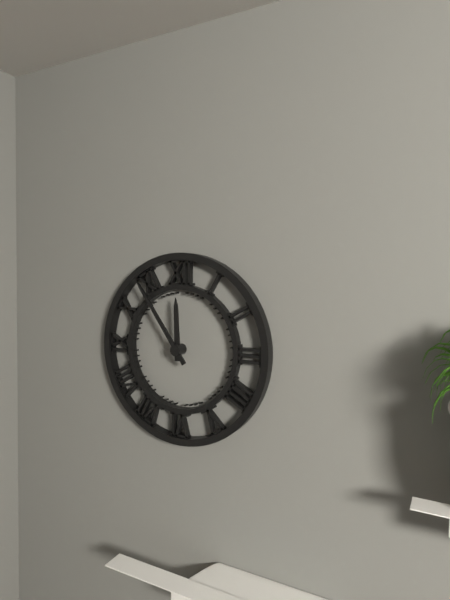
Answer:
h=11 m=54
